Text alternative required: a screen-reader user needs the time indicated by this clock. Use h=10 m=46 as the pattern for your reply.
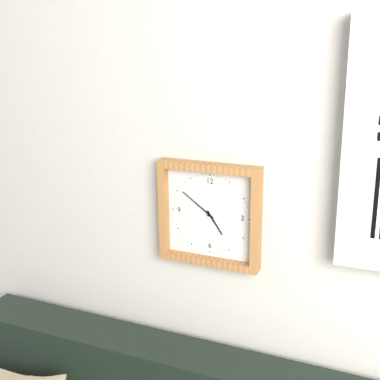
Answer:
h=4 m=51
